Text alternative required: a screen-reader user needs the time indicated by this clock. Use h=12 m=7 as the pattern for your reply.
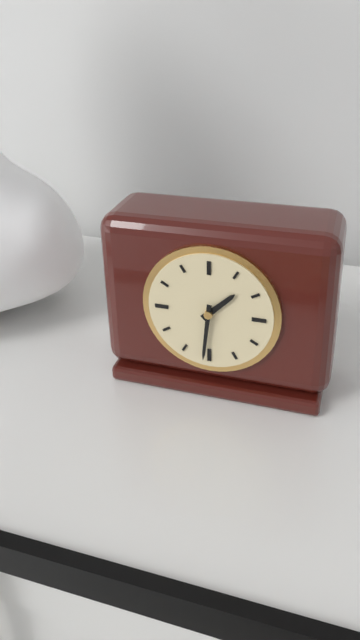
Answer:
h=1 m=31
